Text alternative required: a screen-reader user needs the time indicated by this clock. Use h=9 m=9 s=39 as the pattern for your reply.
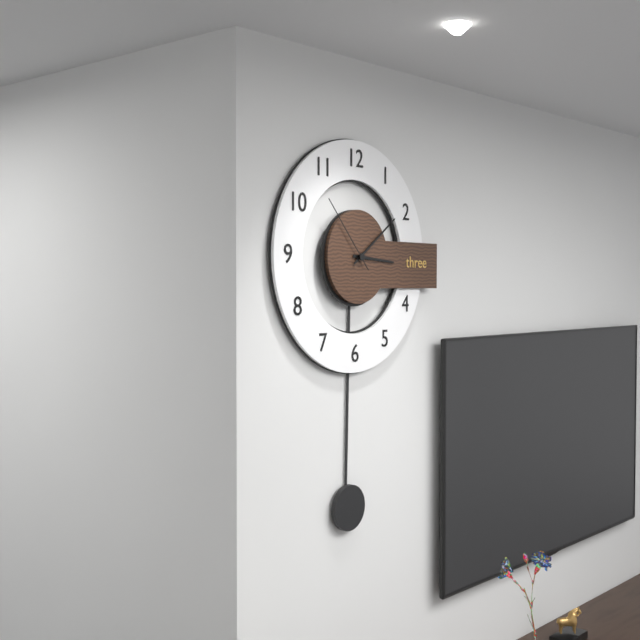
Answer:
h=3 m=9 s=53
